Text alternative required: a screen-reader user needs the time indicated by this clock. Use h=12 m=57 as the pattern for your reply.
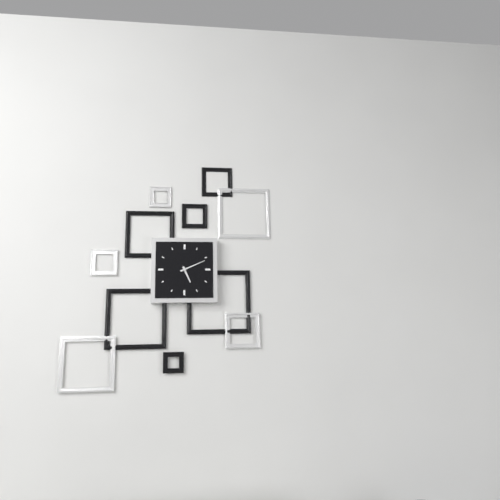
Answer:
h=5 m=11
